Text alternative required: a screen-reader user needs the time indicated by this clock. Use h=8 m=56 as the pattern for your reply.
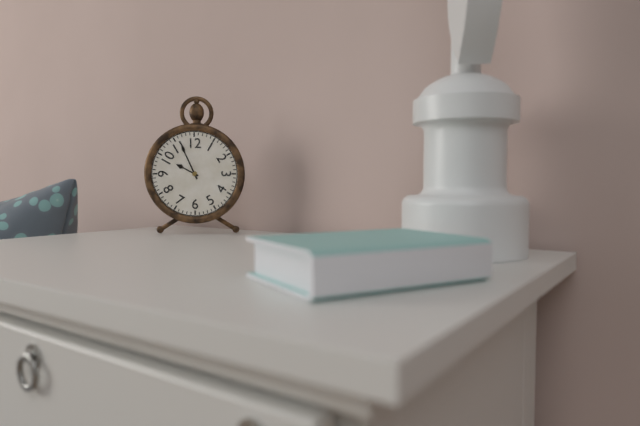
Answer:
h=9 m=56
